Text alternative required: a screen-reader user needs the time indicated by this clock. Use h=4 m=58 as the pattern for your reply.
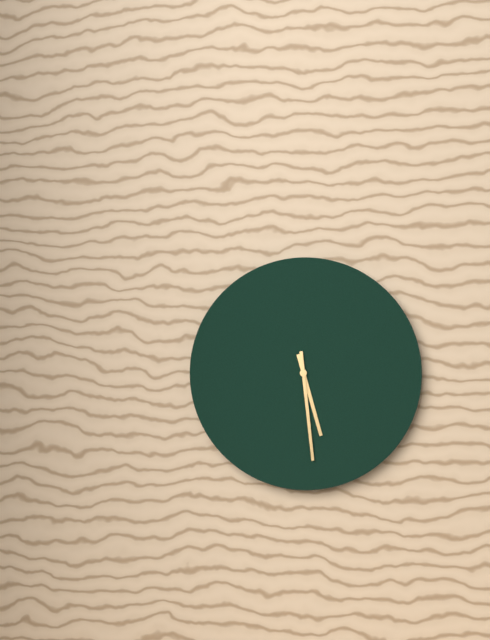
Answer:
h=5 m=29
